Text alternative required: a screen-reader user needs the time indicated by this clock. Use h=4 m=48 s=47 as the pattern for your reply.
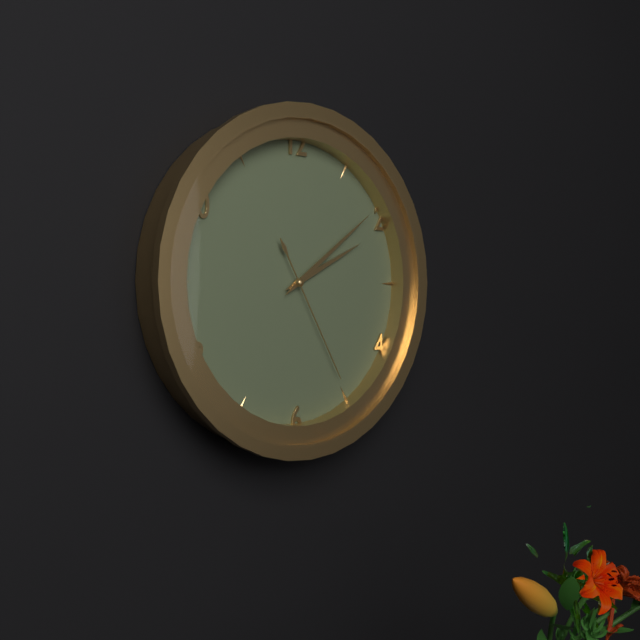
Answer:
h=2 m=9 s=25
